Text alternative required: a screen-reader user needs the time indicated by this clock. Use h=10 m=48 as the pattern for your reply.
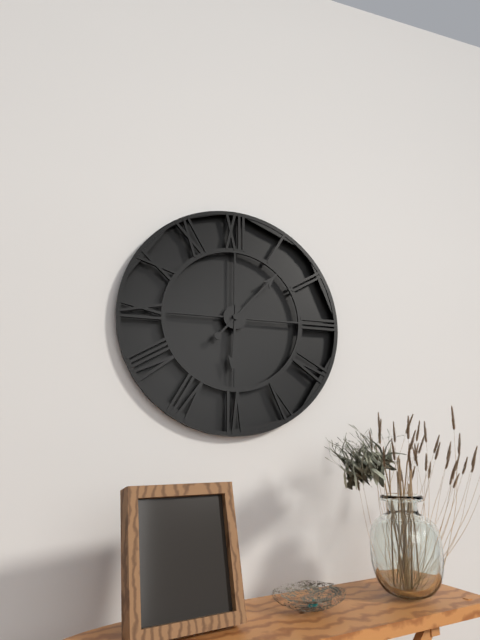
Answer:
h=6 m=7
